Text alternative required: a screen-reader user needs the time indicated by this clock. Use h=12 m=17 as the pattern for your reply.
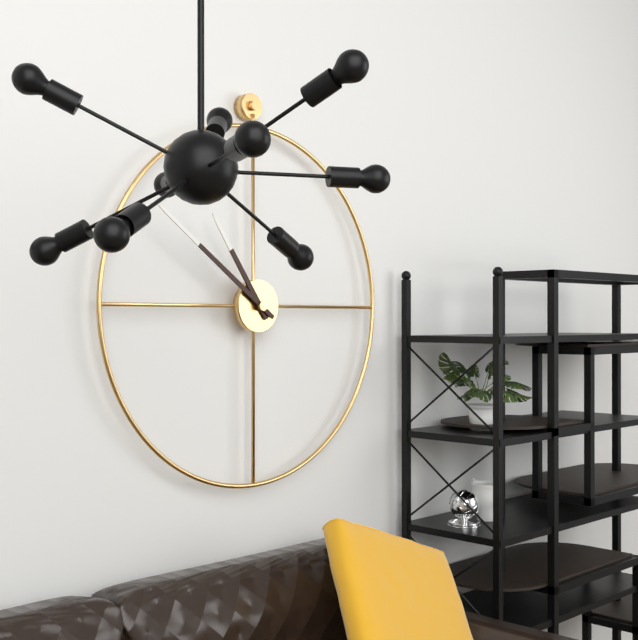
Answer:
h=10 m=51
